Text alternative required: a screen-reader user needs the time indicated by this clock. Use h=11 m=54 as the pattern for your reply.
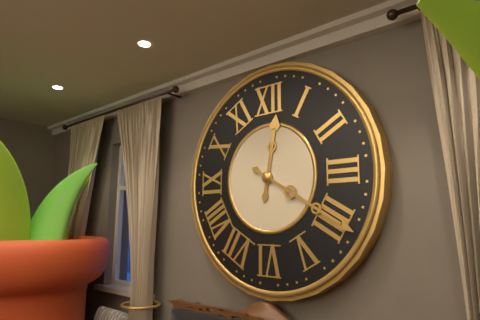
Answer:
h=12 m=20
